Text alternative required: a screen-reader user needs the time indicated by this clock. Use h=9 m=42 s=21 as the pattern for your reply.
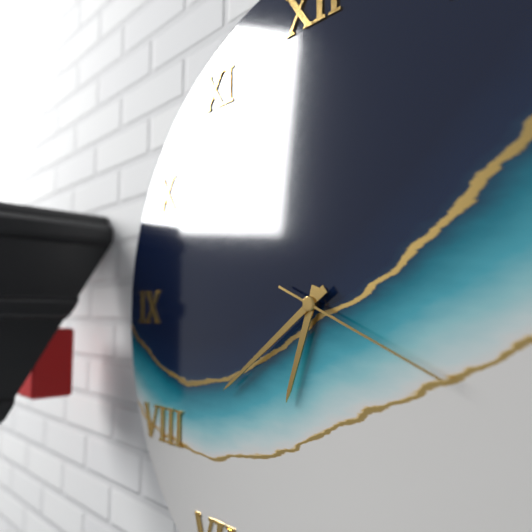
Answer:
h=6 m=39 s=19
